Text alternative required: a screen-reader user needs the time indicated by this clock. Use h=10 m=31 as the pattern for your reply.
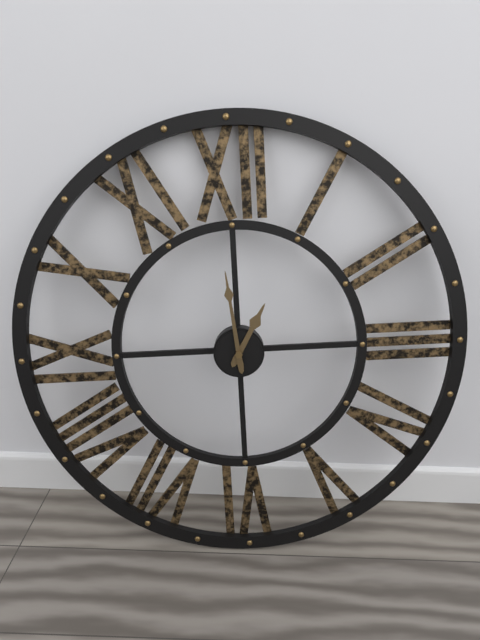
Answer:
h=12 m=59
